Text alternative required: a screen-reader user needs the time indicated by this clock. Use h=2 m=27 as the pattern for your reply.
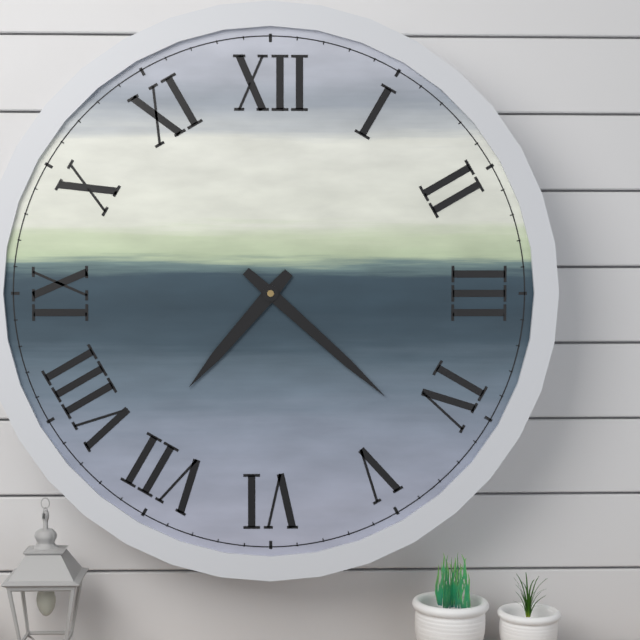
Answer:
h=7 m=22
